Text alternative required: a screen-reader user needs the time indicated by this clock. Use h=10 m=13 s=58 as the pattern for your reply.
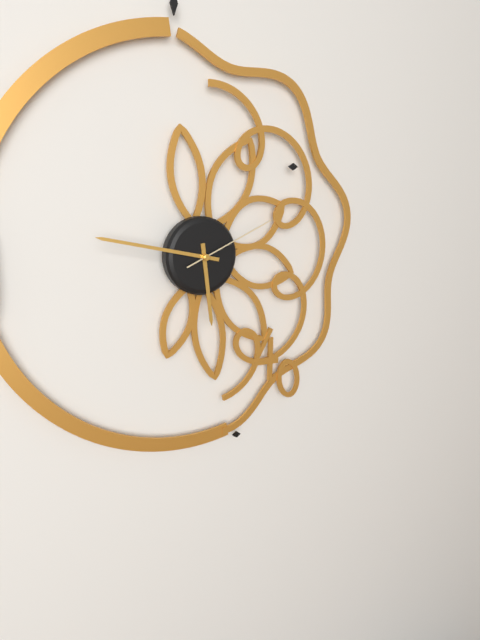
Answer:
h=5 m=47 s=11
